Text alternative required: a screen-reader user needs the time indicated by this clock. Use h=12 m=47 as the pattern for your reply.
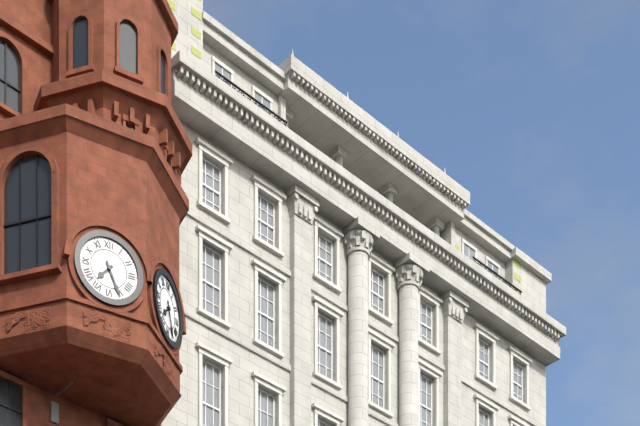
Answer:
h=7 m=26
